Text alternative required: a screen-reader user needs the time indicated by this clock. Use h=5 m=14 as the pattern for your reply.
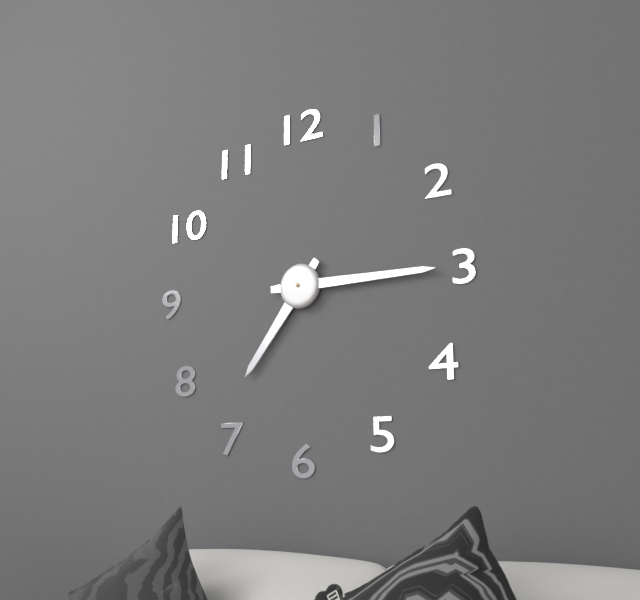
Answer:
h=7 m=15
